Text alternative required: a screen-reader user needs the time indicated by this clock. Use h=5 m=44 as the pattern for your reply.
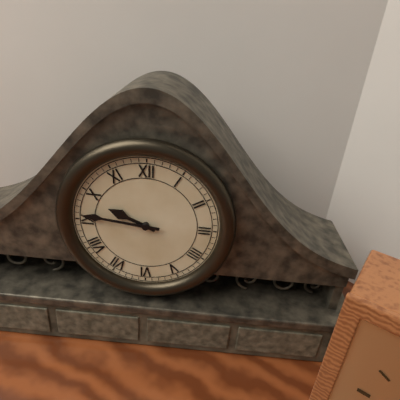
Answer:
h=9 m=46
